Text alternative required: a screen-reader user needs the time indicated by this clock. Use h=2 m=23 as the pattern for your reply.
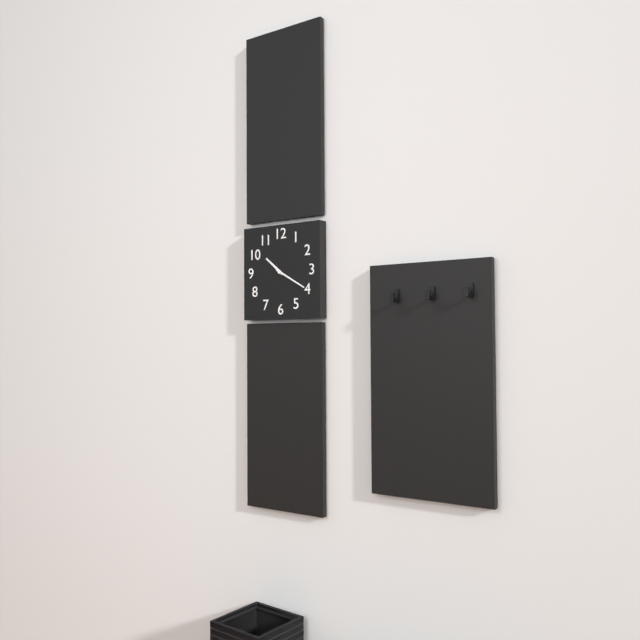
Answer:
h=10 m=20
